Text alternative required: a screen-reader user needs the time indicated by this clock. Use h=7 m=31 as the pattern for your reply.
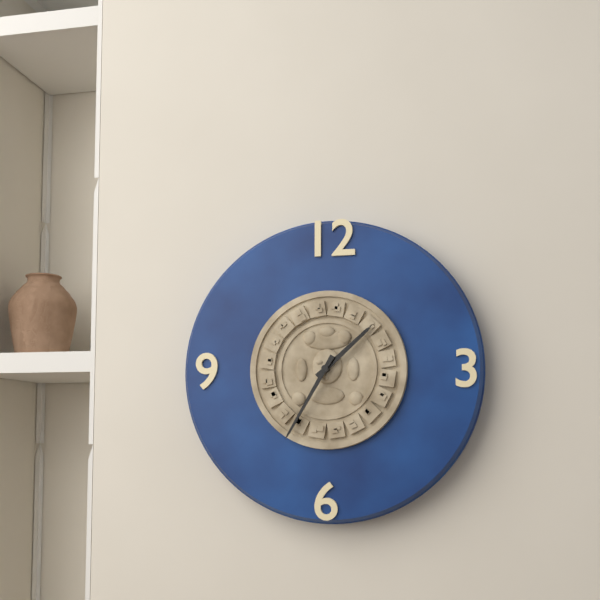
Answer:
h=1 m=35
